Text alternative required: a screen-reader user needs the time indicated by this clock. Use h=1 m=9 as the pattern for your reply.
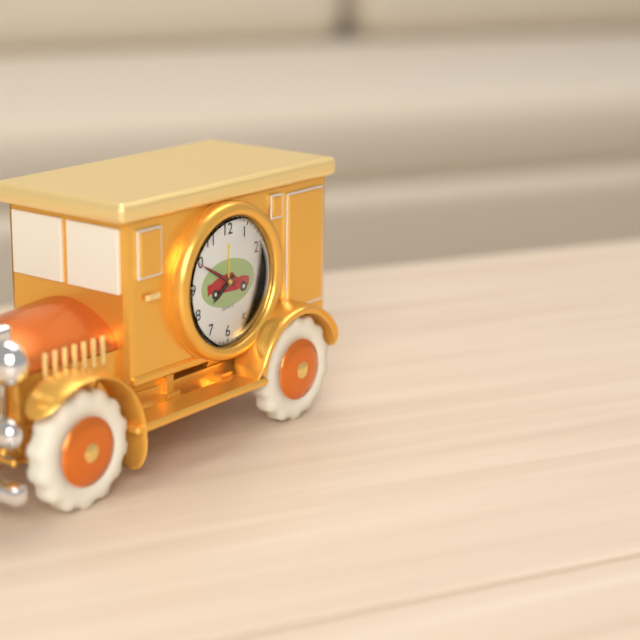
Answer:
h=7 m=50
